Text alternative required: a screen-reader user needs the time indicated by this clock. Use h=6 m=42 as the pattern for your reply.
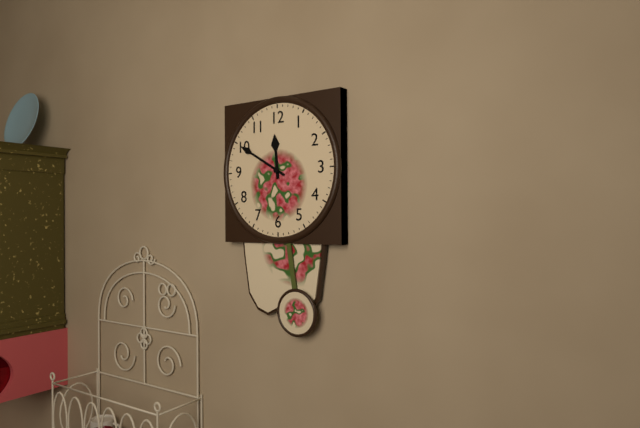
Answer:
h=11 m=50
